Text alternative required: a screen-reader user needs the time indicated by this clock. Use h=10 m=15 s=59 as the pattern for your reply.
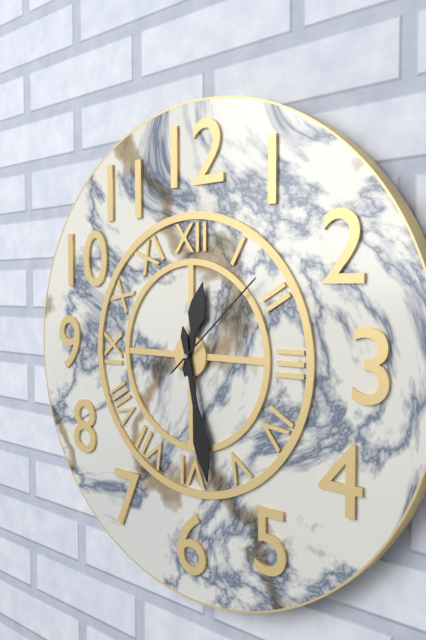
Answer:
h=12 m=28 s=8
